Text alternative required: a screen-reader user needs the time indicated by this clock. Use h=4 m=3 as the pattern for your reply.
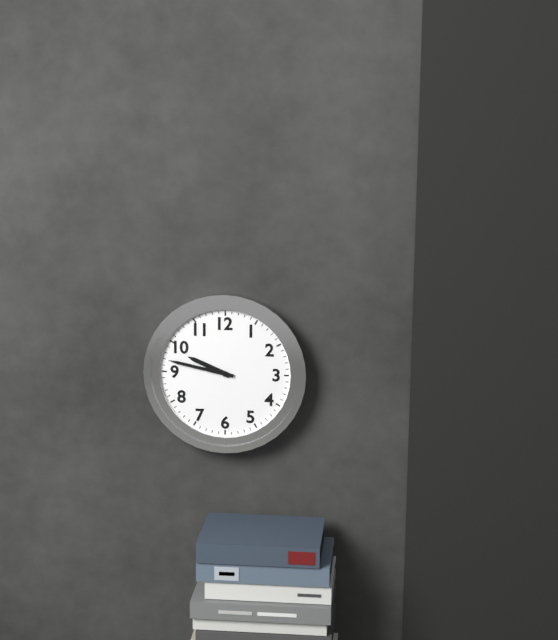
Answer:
h=9 m=47
